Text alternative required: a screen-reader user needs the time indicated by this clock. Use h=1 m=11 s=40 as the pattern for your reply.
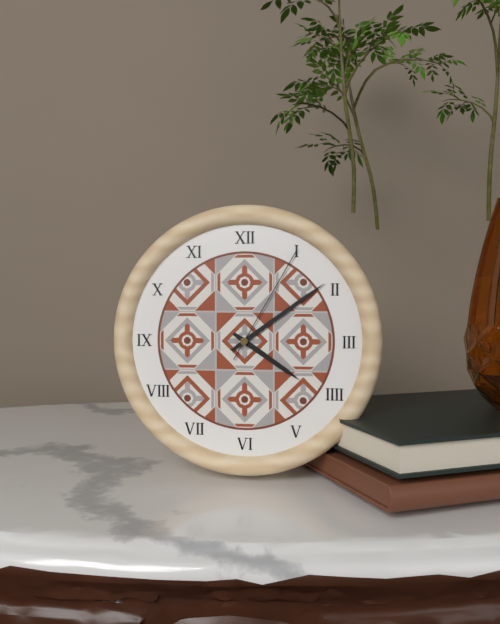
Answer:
h=4 m=9 s=5
